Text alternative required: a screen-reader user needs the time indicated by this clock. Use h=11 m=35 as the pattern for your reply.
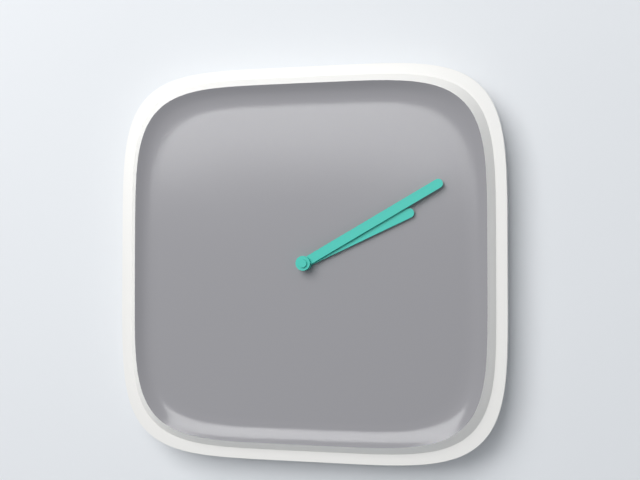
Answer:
h=2 m=10
